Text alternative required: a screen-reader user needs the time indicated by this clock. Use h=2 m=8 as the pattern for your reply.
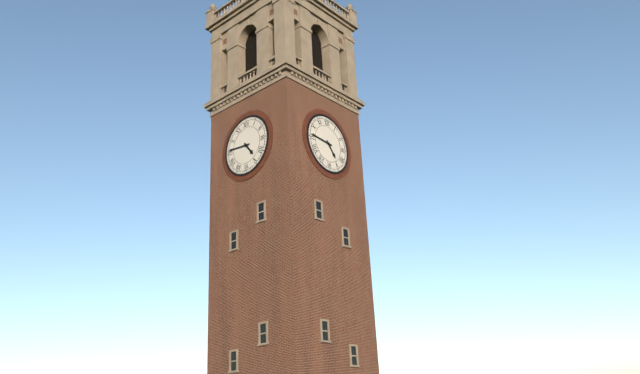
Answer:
h=4 m=46
